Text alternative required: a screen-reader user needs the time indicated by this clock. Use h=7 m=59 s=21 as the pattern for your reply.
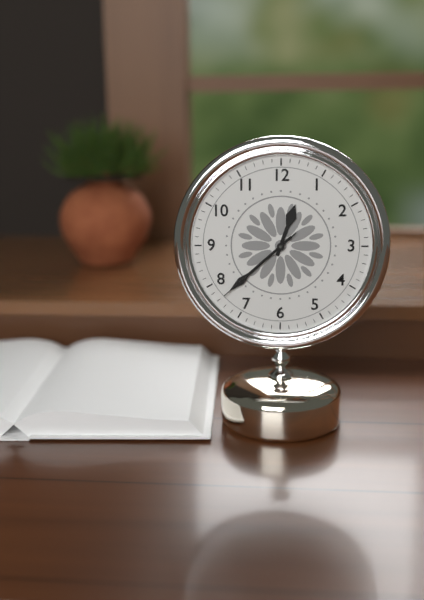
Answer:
h=12 m=38 s=38
